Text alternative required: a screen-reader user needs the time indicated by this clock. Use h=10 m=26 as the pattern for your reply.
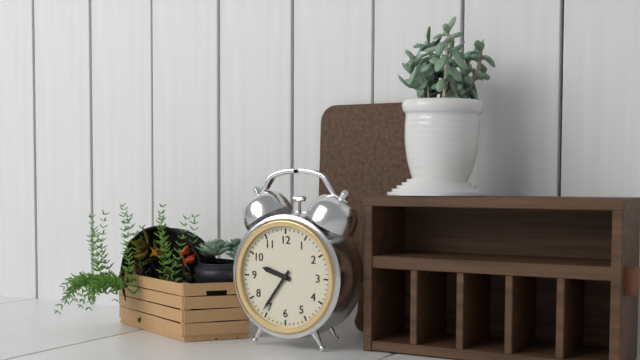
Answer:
h=9 m=36
